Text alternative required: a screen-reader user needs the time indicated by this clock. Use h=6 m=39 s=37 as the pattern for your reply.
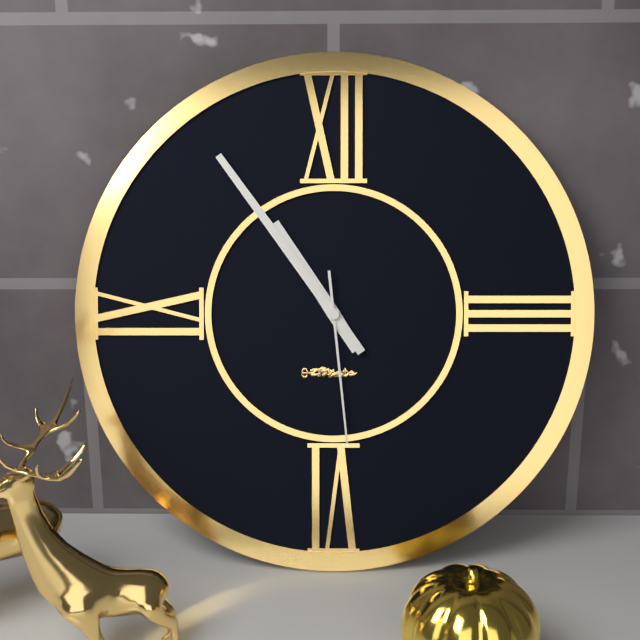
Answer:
h=10 m=54 s=29
